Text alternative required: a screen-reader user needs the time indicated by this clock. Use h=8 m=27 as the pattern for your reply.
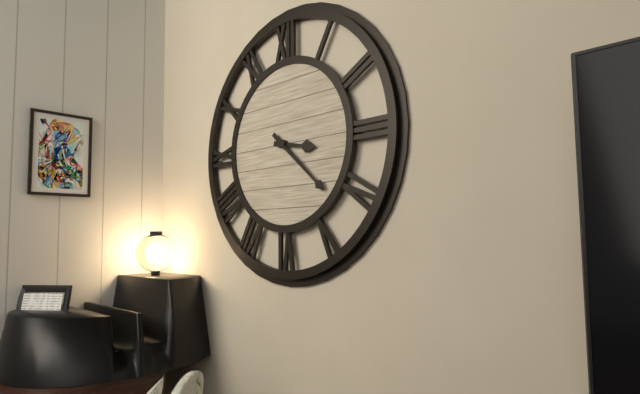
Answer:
h=3 m=22
